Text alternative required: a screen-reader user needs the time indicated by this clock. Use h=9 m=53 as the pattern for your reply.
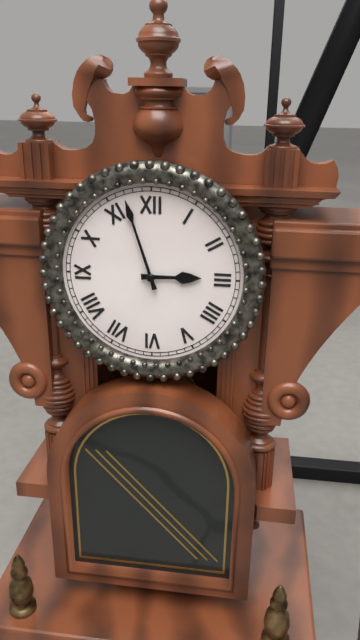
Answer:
h=2 m=57
